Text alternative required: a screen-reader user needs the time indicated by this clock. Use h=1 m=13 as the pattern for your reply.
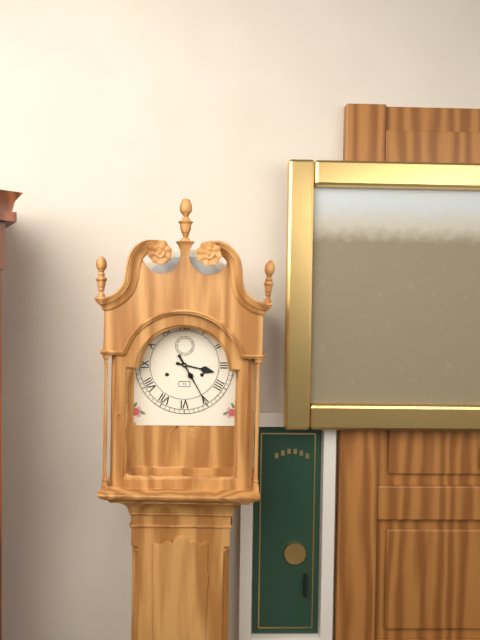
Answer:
h=3 m=25
